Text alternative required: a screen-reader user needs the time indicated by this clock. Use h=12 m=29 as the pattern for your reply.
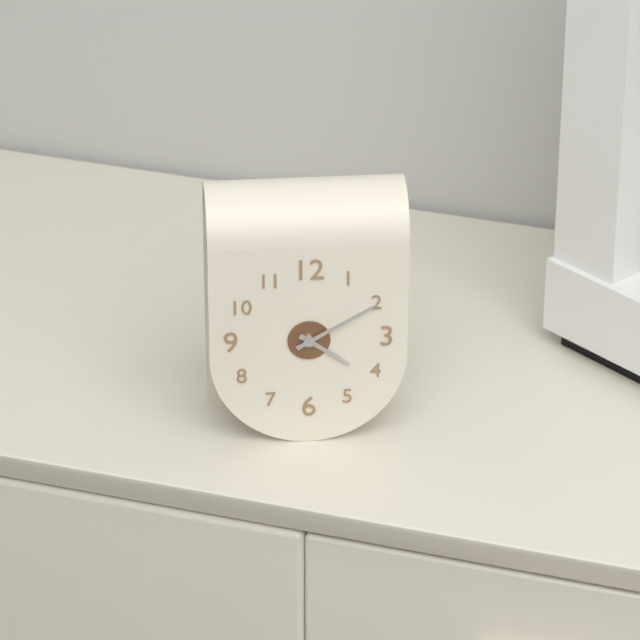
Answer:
h=4 m=10
